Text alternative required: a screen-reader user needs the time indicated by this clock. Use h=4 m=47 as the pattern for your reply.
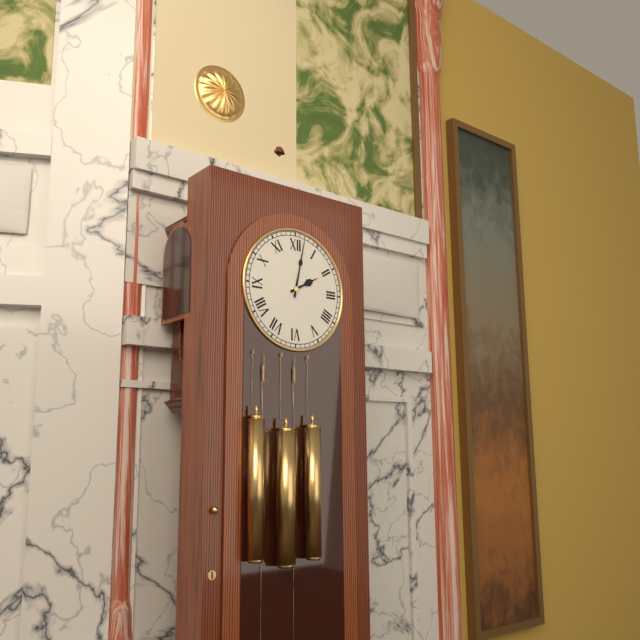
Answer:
h=2 m=2
